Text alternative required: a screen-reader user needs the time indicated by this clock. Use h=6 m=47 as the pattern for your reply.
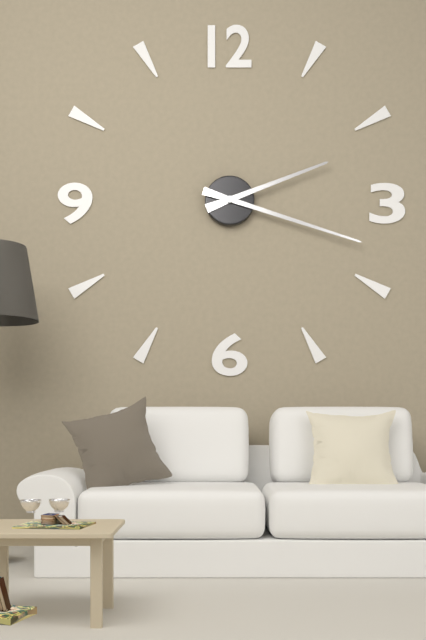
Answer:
h=2 m=18
